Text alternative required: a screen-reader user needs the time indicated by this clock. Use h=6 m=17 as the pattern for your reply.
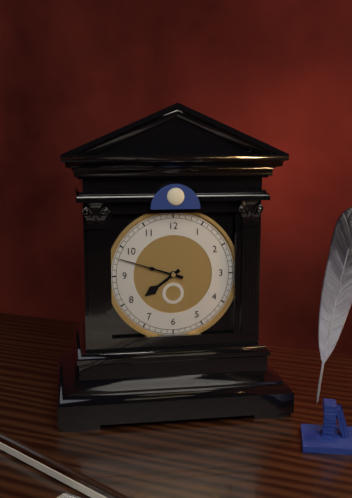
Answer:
h=7 m=48
